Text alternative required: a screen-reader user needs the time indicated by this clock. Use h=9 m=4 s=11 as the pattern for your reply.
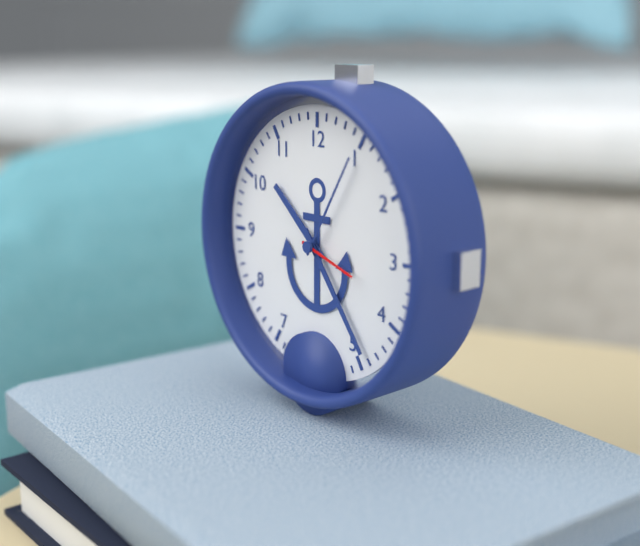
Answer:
h=10 m=24 s=18
